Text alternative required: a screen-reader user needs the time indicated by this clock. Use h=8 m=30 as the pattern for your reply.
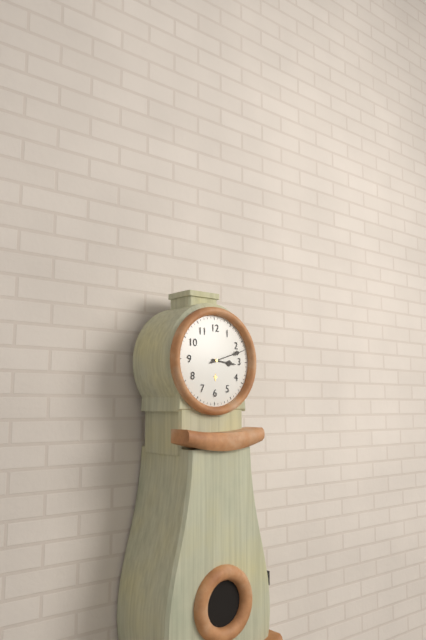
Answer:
h=3 m=12
